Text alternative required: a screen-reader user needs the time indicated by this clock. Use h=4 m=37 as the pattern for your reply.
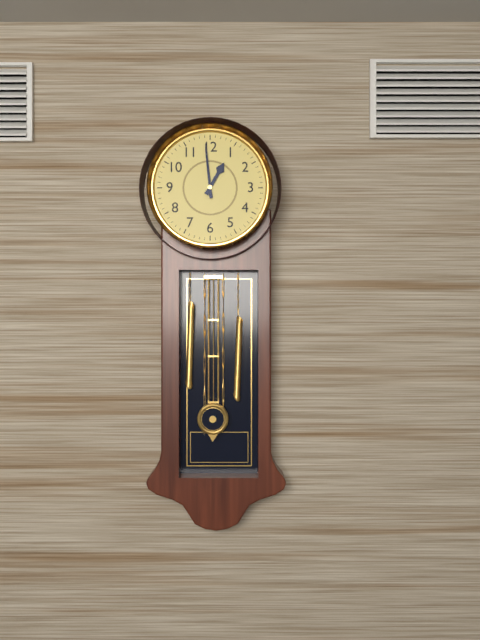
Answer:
h=12 m=59
